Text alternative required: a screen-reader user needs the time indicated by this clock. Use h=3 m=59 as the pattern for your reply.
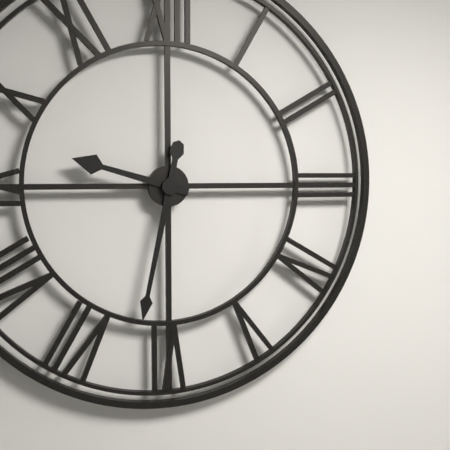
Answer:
h=9 m=32
